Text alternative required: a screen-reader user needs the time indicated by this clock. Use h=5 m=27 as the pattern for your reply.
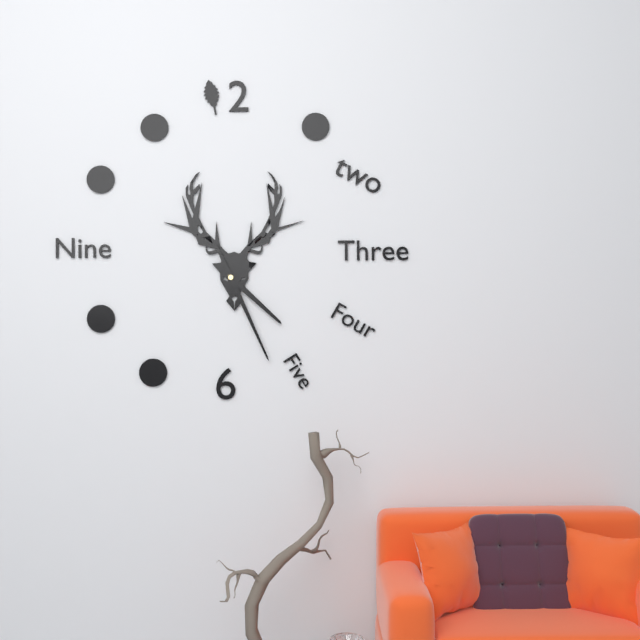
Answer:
h=4 m=26
